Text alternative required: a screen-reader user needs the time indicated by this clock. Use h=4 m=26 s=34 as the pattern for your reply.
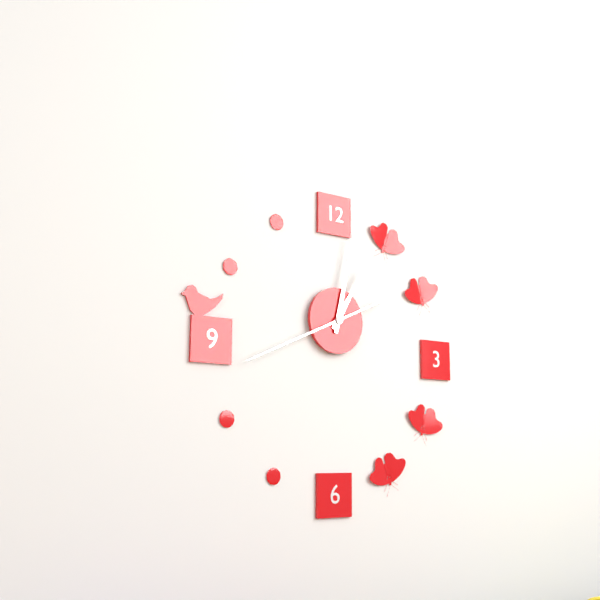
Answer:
h=1 m=2 s=41
